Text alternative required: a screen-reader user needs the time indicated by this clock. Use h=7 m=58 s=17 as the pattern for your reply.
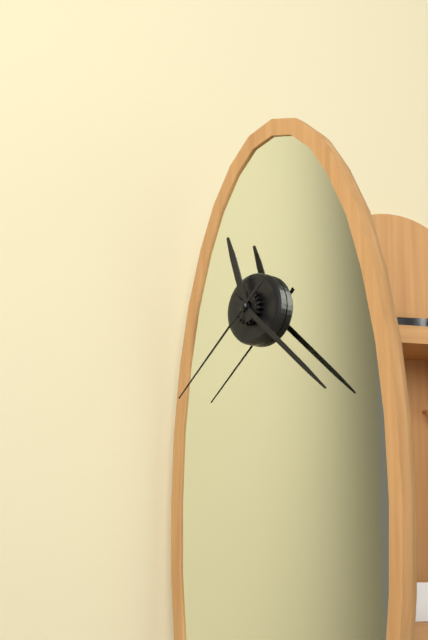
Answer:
h=11 m=22 s=38
